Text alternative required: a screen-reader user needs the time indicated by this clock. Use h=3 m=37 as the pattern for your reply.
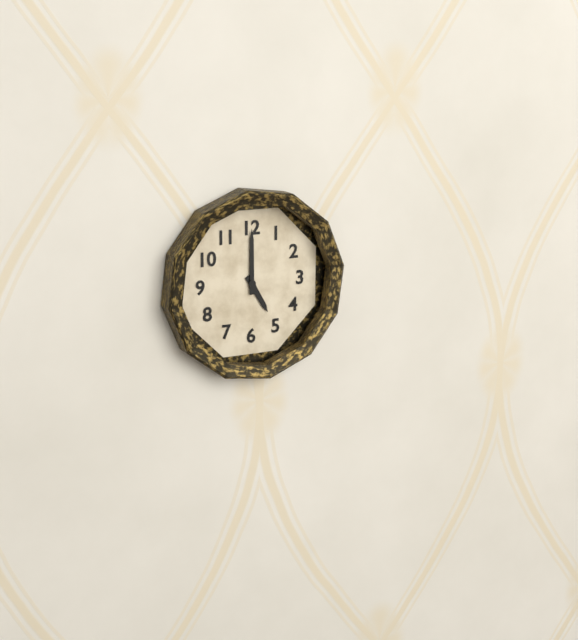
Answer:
h=5 m=0
